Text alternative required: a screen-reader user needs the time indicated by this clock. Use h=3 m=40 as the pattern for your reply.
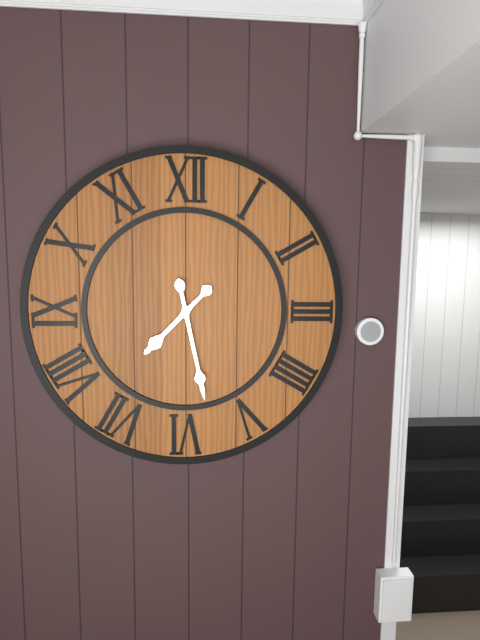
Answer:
h=7 m=28
